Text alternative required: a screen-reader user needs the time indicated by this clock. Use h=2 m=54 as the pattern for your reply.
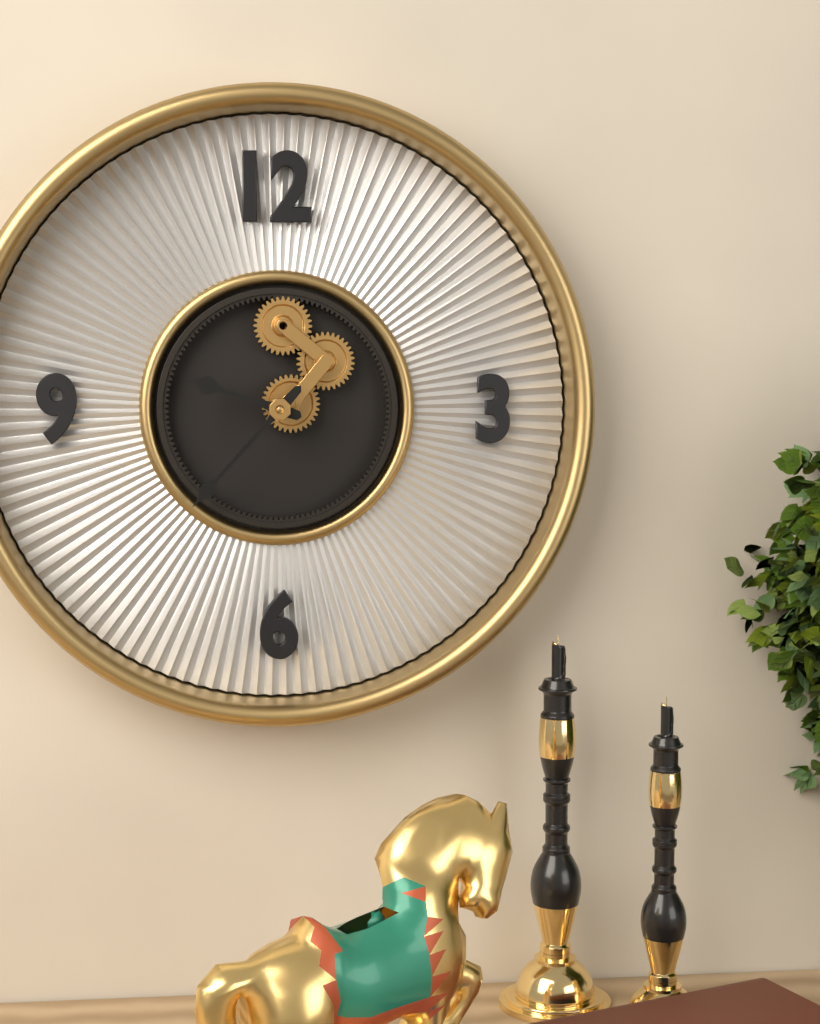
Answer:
h=9 m=37
